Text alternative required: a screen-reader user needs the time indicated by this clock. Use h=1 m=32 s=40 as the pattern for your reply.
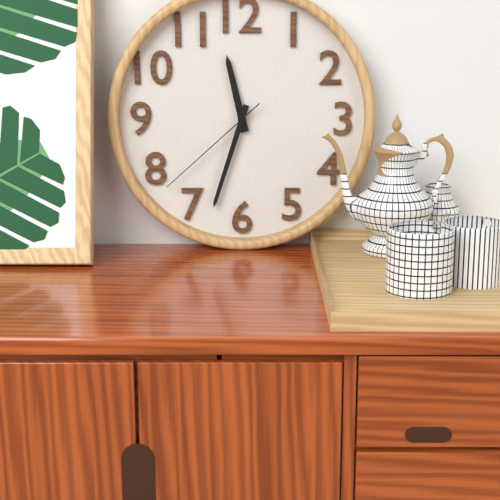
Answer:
h=11 m=33 s=38
